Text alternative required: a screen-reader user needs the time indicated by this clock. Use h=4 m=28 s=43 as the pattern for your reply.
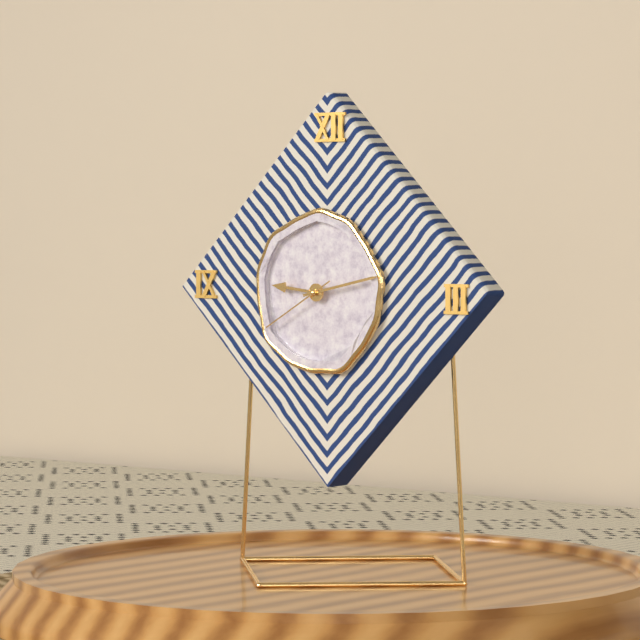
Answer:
h=9 m=13 s=40
